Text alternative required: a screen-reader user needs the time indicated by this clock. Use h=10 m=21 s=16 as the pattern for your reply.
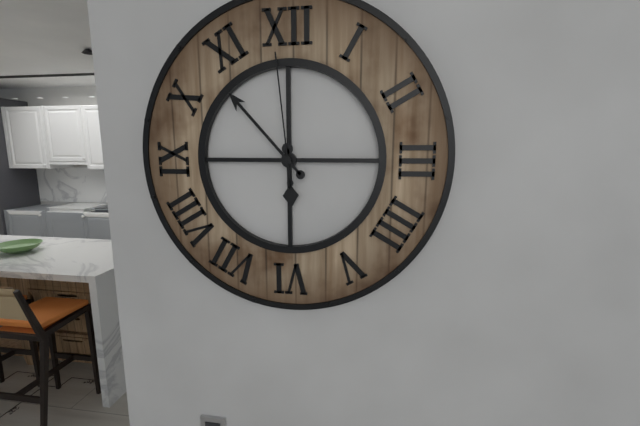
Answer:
h=5 m=53 s=59
